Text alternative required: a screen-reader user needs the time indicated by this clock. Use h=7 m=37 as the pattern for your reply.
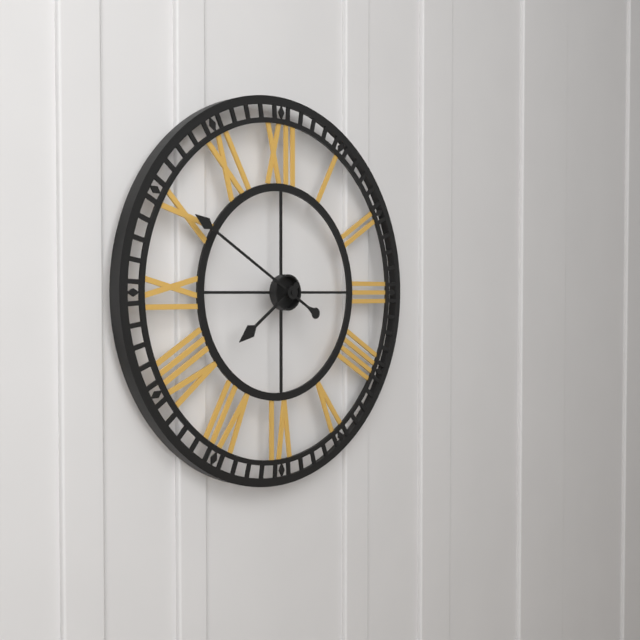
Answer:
h=7 m=50
